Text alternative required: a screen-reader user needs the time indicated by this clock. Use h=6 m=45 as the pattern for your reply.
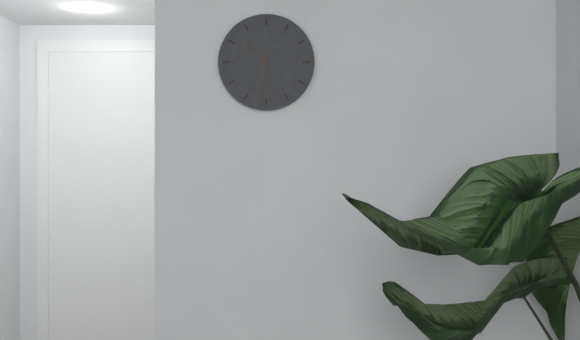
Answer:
h=10 m=32
